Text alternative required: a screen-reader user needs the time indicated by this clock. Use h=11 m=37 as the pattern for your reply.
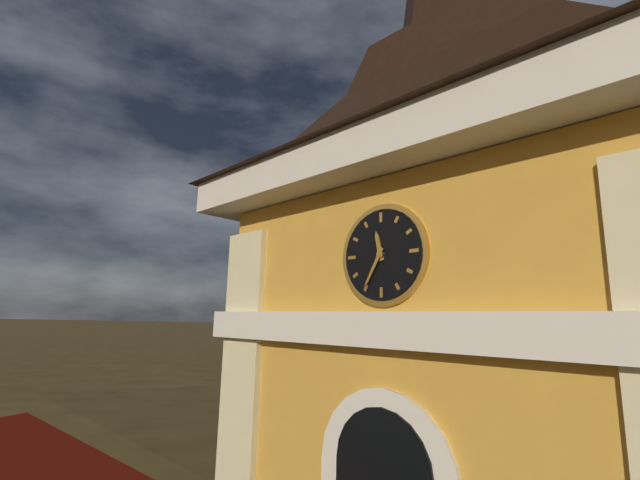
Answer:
h=11 m=35
